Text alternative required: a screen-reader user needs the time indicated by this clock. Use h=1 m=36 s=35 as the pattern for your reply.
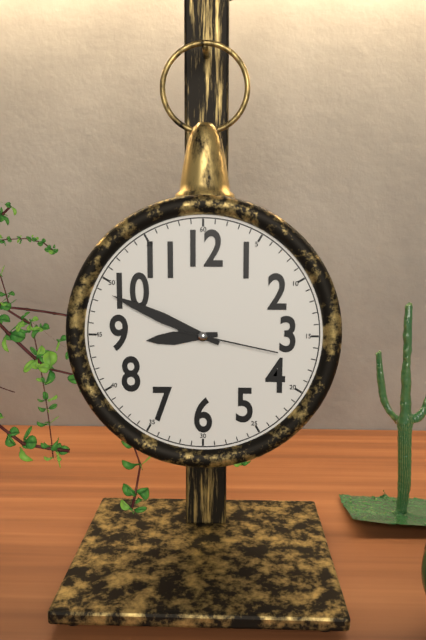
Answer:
h=8 m=49 s=17
